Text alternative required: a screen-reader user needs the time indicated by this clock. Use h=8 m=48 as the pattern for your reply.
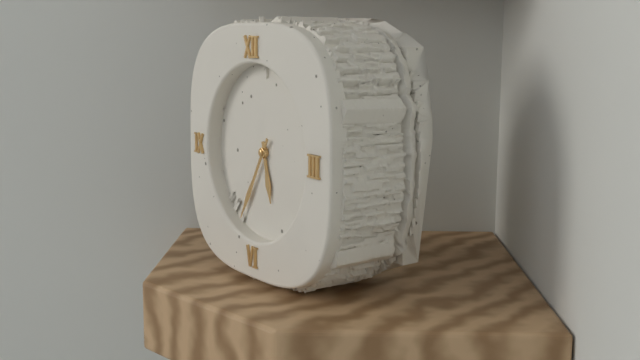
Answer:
h=5 m=35
